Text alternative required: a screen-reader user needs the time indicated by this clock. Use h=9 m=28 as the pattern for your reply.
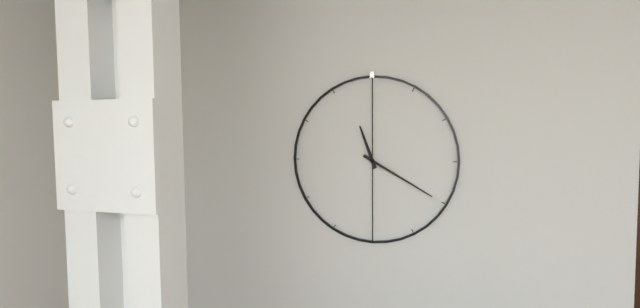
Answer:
h=11 m=20
